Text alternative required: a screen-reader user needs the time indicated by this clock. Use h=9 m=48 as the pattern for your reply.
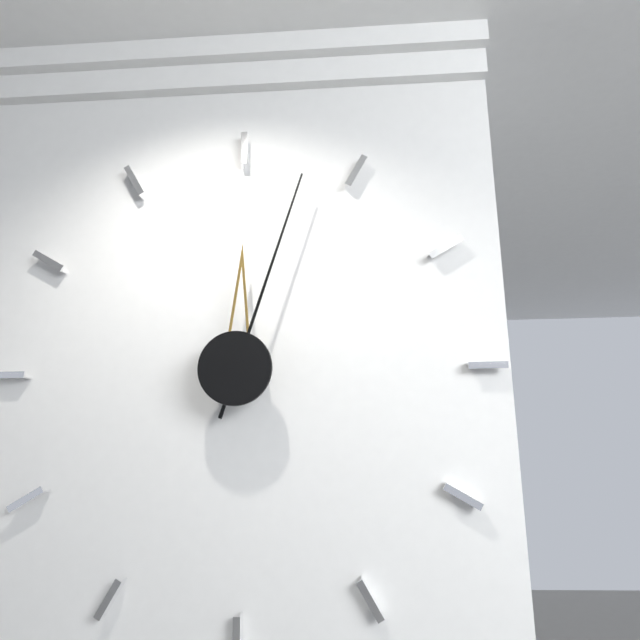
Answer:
h=12 m=3
